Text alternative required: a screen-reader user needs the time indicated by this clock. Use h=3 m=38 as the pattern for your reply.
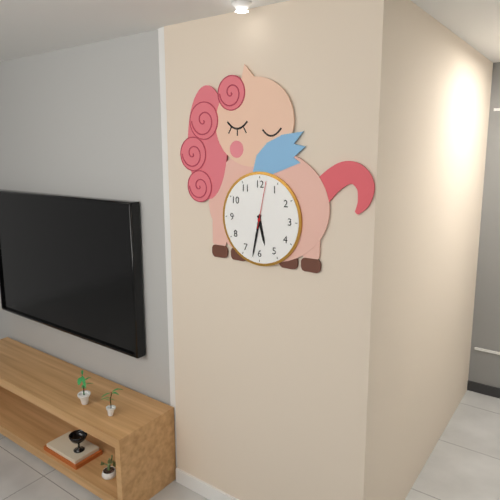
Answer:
h=5 m=32
